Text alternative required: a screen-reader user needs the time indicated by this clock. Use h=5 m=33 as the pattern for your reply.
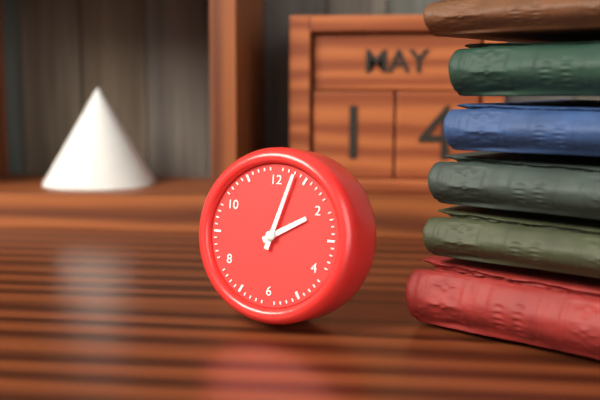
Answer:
h=2 m=3
